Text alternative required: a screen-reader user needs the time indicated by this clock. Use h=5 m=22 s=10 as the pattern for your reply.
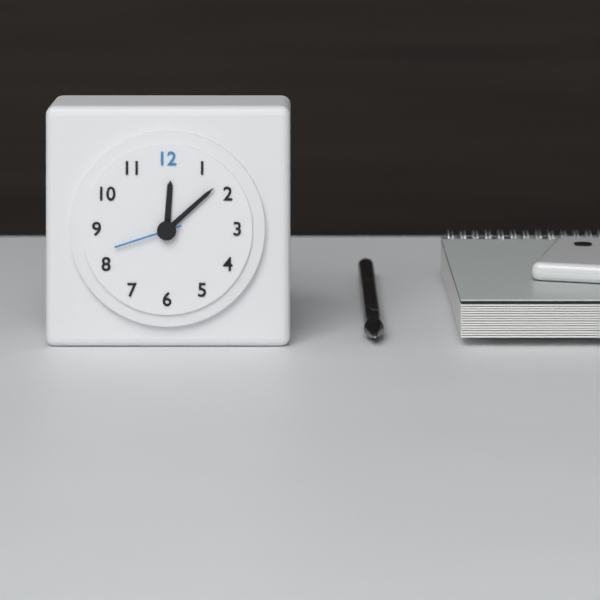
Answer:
h=12 m=8 s=42
